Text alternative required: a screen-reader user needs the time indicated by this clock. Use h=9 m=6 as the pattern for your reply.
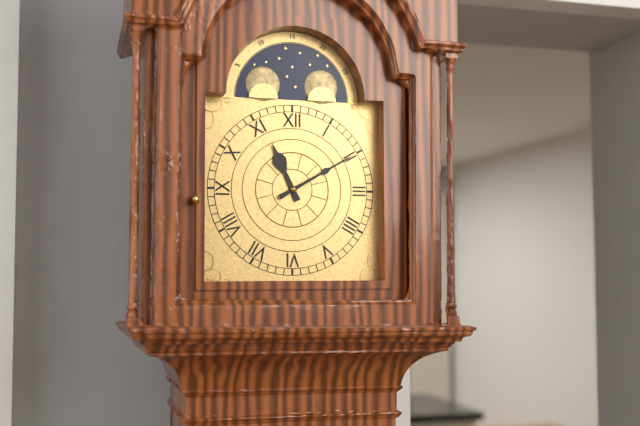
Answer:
h=11 m=10
